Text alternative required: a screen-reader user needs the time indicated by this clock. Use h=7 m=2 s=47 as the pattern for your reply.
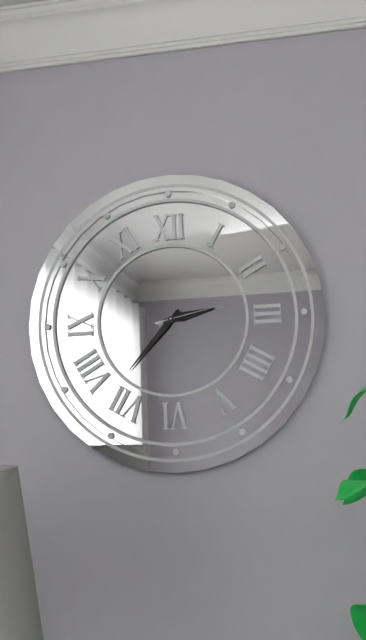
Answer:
h=2 m=37 s=13
